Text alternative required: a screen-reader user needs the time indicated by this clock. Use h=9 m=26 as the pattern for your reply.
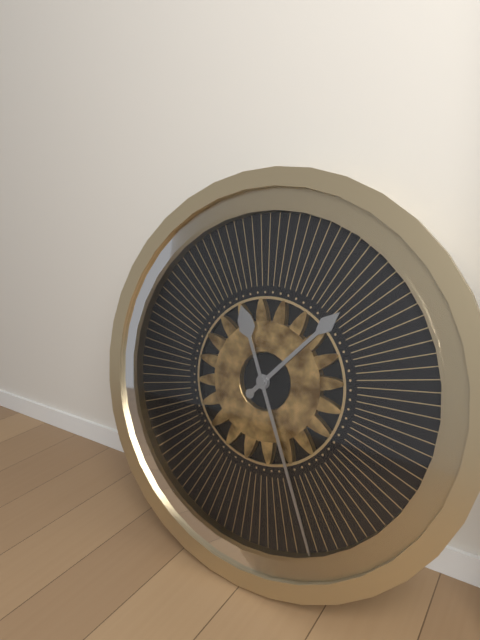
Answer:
h=1 m=26
